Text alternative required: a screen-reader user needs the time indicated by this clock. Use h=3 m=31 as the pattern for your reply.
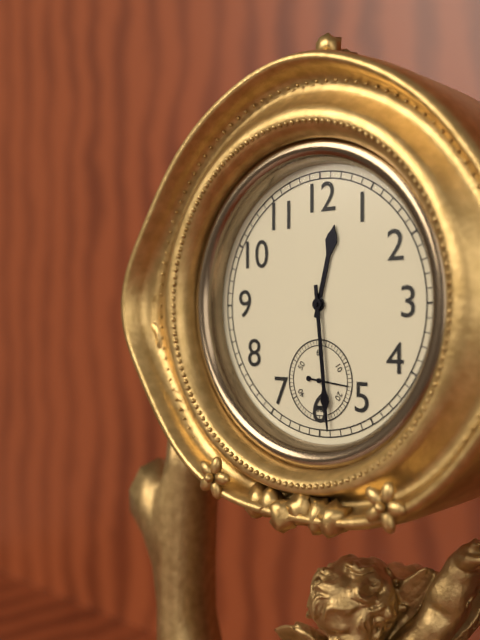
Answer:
h=12 m=29
